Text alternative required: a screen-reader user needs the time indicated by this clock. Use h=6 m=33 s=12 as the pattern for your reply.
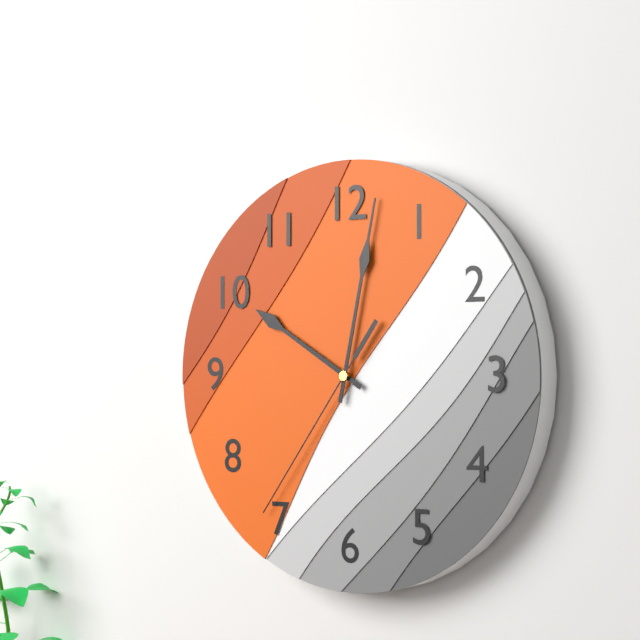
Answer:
h=10 m=2 s=36
